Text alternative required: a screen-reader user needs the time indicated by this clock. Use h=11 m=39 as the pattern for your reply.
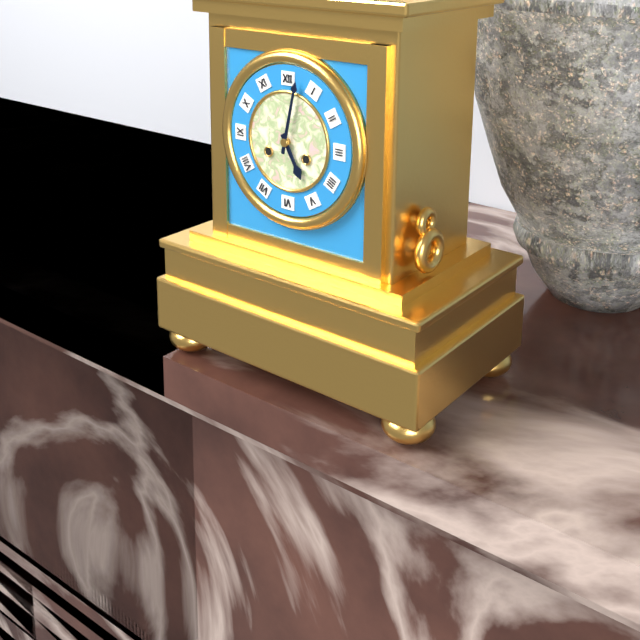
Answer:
h=5 m=2
